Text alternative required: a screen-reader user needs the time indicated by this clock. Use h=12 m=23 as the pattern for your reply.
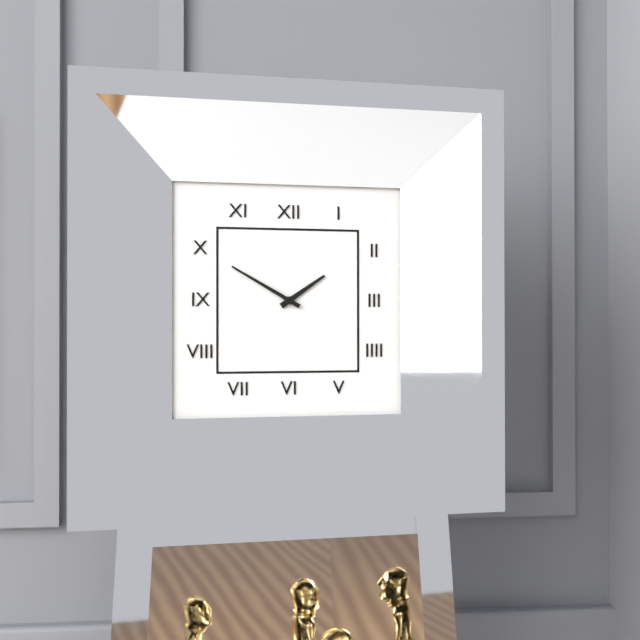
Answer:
h=1 m=50
